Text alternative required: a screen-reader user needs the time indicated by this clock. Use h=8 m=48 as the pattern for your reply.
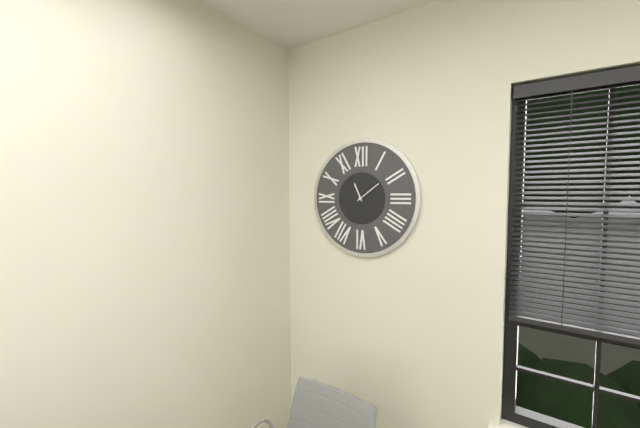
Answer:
h=11 m=9
